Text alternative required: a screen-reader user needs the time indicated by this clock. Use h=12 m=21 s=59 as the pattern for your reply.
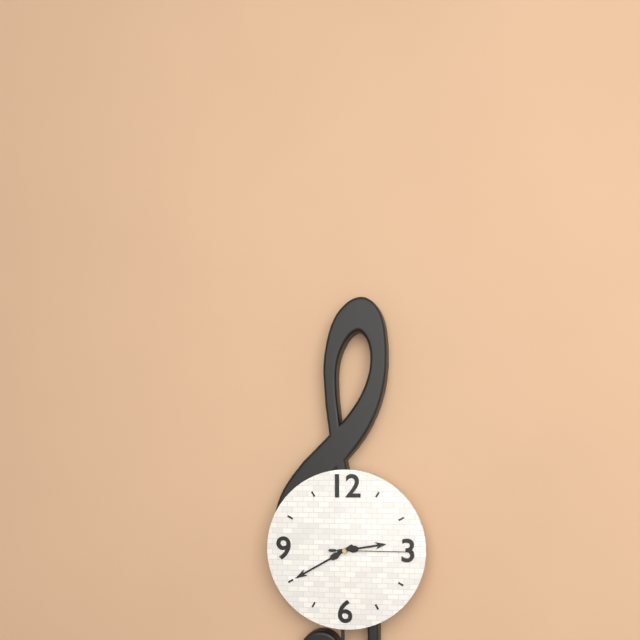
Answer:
h=2 m=40 s=15
